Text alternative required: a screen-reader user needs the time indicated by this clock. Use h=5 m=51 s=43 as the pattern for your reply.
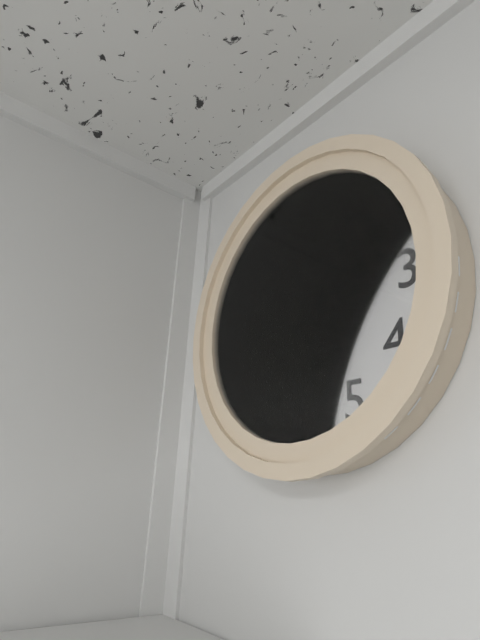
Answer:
h=2 m=11 s=35
